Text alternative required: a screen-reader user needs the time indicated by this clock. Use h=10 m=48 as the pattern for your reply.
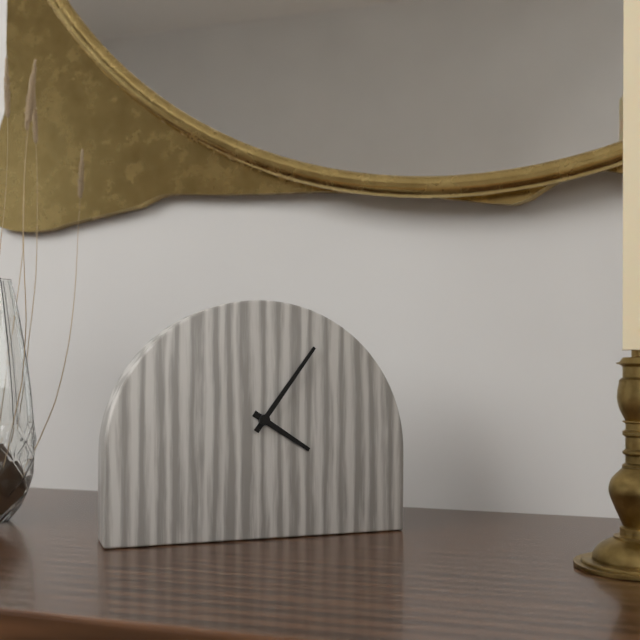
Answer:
h=4 m=6
